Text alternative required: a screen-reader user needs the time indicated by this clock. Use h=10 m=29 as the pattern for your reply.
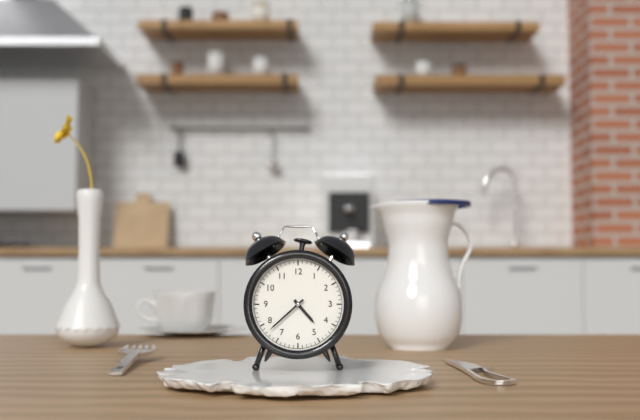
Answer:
h=4 m=38
